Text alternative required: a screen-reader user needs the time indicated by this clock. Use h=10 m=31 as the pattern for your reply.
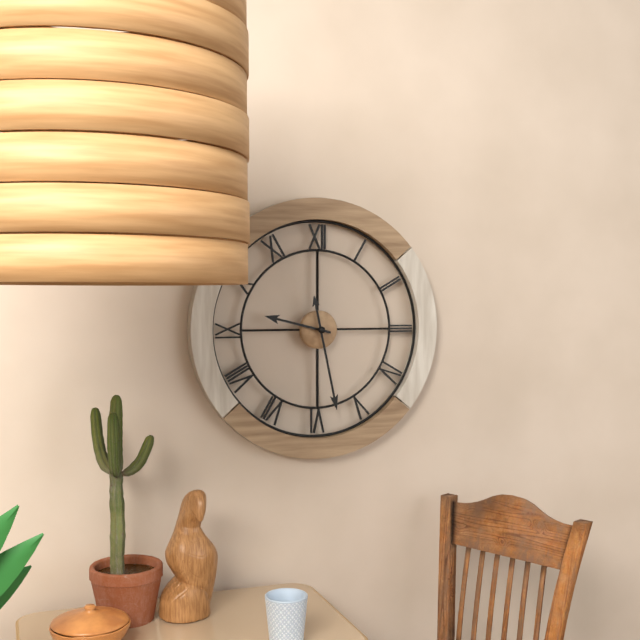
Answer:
h=9 m=28
